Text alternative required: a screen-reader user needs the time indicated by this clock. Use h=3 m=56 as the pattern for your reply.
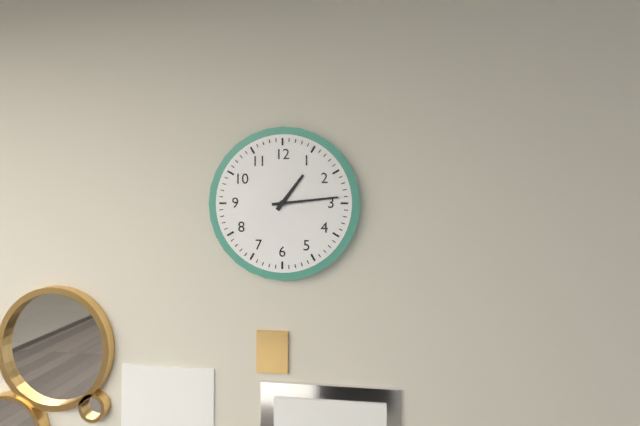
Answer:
h=1 m=14
